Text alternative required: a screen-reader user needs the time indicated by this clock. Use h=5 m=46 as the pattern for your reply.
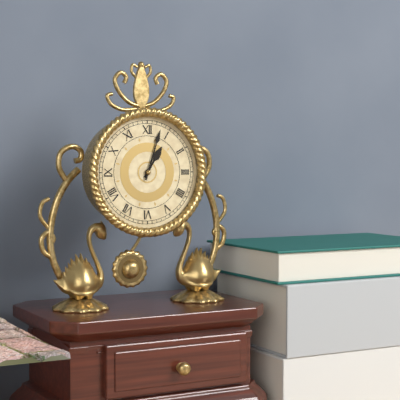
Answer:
h=1 m=3
